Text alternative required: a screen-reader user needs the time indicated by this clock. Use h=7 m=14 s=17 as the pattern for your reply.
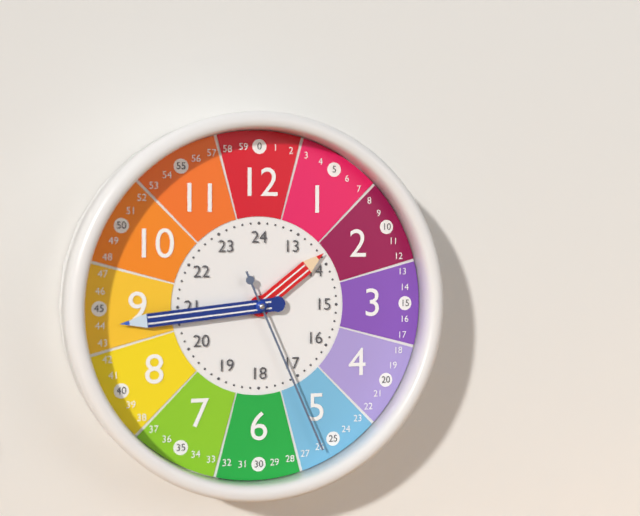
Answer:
h=1 m=44 s=26
